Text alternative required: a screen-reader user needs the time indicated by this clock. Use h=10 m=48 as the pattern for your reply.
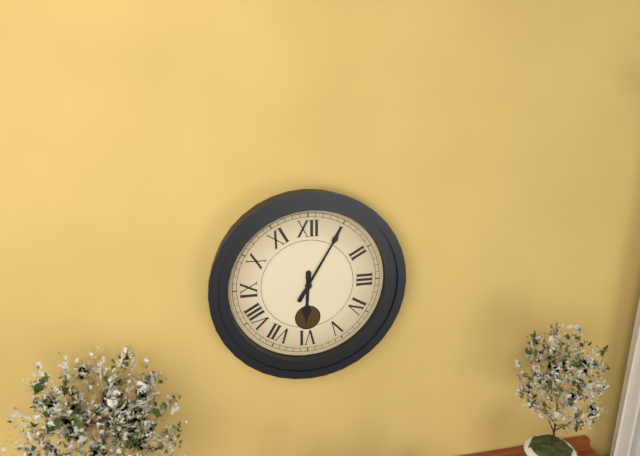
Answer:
h=6 m=5
